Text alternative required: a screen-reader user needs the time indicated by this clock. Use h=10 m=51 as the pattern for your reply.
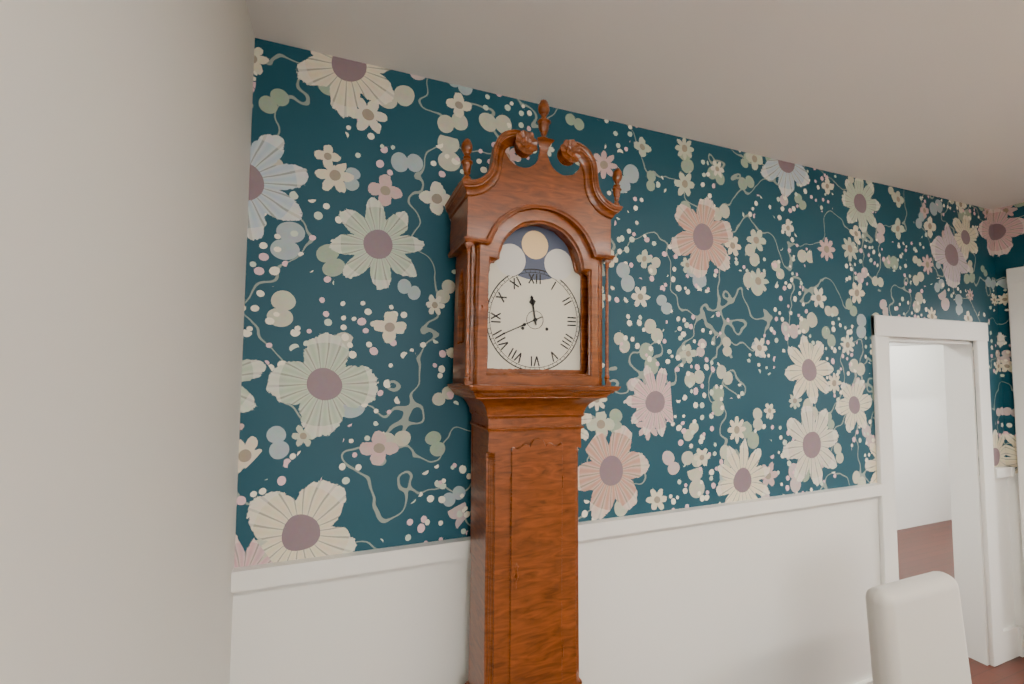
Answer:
h=11 m=41
